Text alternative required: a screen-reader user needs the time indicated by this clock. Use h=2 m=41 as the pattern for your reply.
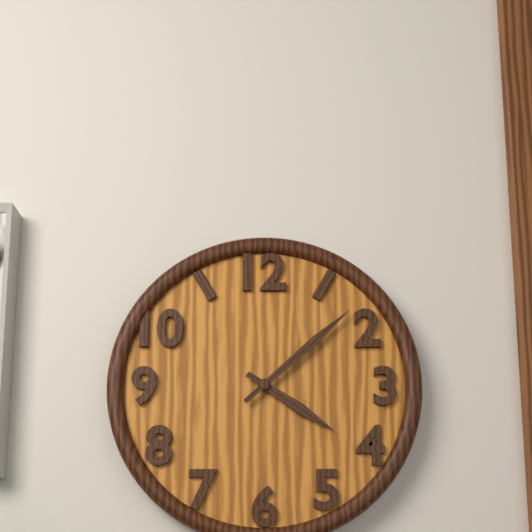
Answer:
h=4 m=8
